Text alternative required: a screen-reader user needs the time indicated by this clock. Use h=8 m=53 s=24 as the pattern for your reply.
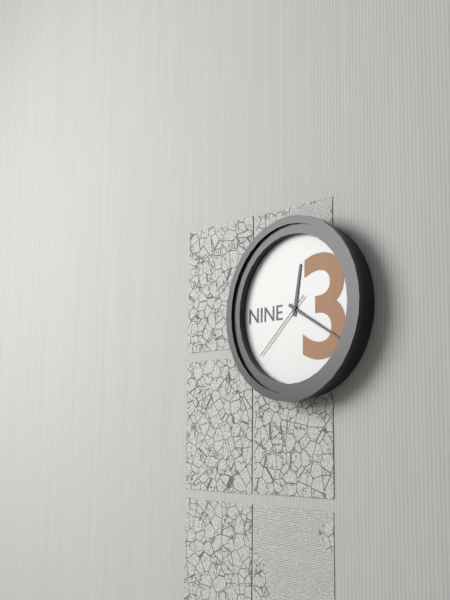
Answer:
h=12 m=20 s=38
